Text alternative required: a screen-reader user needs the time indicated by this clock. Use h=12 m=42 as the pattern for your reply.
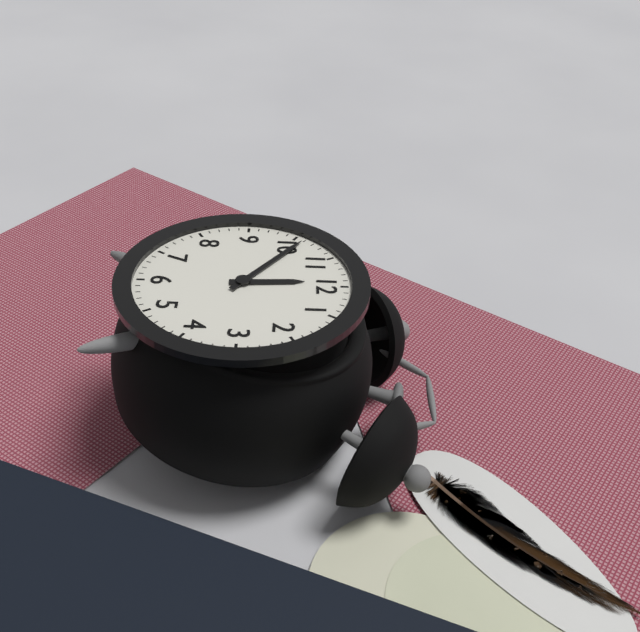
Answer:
h=11 m=51
